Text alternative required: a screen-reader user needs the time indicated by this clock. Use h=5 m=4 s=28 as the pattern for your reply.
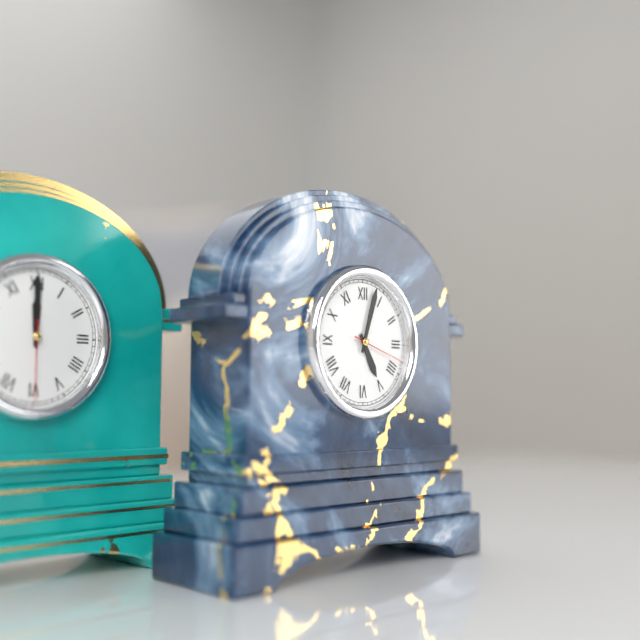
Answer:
h=5 m=3 s=18
